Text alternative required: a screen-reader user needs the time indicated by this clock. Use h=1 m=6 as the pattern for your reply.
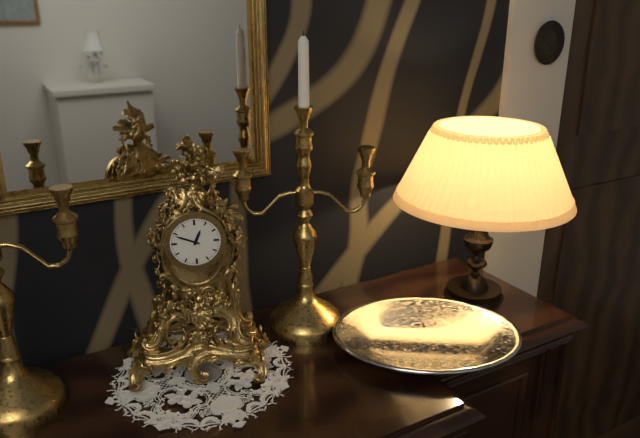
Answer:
h=12 m=49
